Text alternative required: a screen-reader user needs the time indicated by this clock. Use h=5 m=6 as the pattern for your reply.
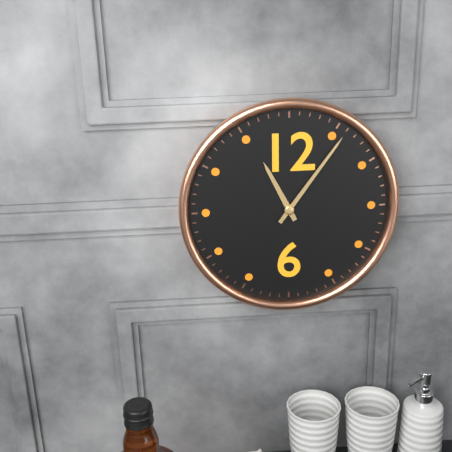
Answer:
h=11 m=6
